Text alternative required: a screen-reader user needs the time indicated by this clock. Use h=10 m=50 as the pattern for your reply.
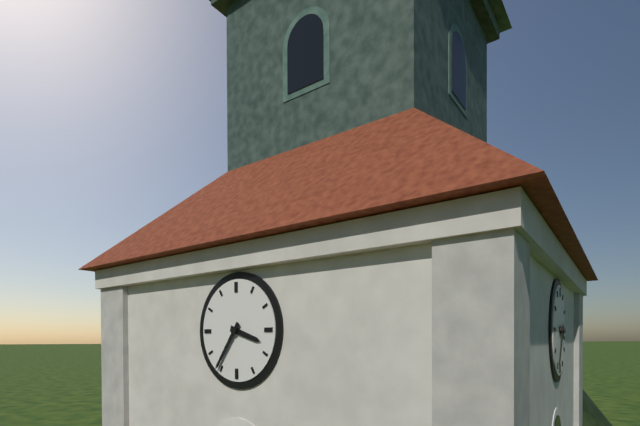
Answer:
h=3 m=36
